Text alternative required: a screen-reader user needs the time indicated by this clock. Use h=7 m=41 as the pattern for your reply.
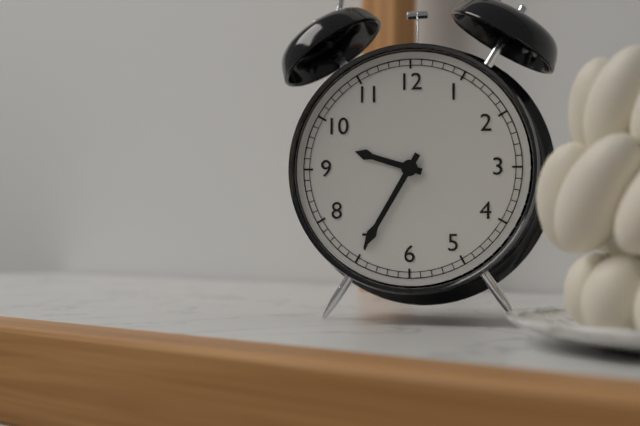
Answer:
h=9 m=35
